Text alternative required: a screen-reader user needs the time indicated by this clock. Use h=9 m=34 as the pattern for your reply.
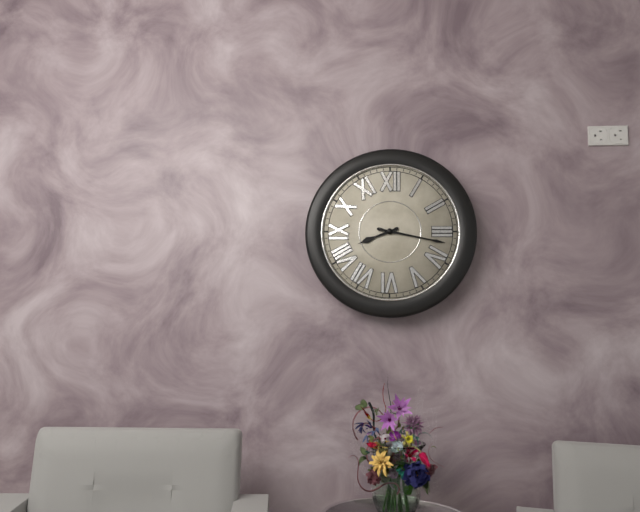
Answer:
h=8 m=17
